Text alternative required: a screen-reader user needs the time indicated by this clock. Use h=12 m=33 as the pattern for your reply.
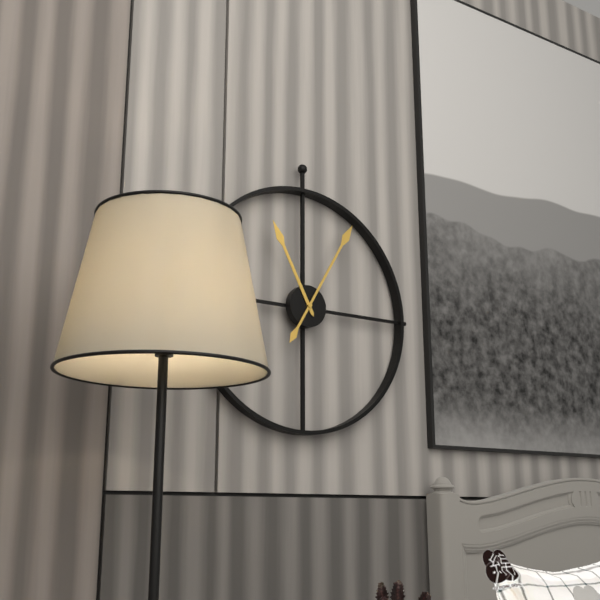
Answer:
h=11 m=5
